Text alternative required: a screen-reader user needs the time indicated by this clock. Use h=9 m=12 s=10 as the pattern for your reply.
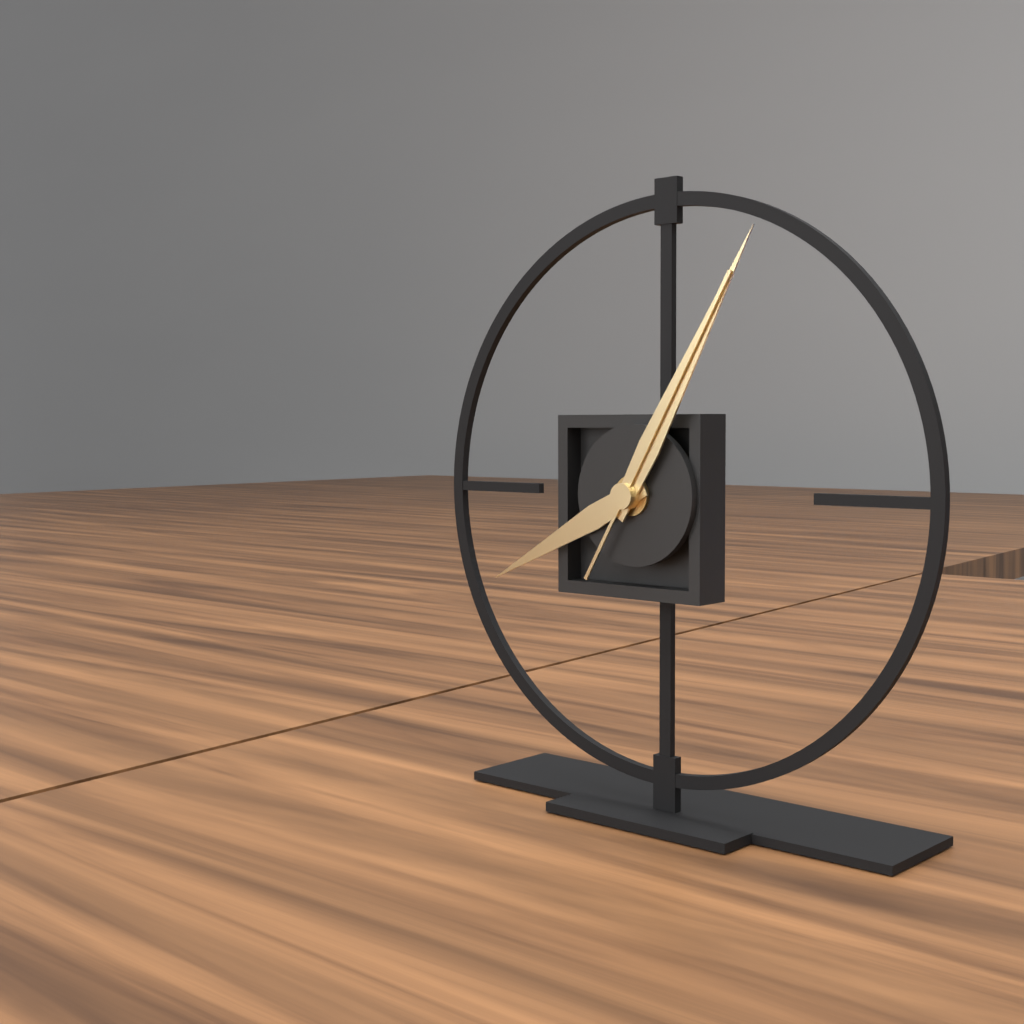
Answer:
h=8 m=5 s=5
